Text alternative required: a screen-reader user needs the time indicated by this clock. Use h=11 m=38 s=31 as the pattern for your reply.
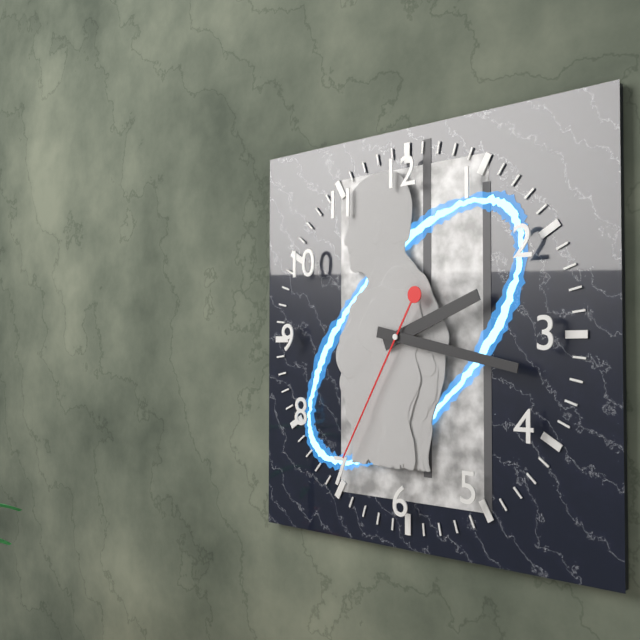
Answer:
h=2 m=17 s=35
